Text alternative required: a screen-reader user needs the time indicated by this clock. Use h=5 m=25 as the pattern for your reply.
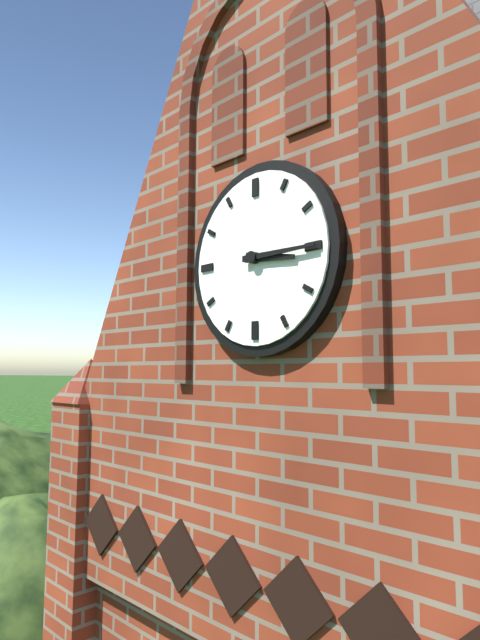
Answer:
h=3 m=15
